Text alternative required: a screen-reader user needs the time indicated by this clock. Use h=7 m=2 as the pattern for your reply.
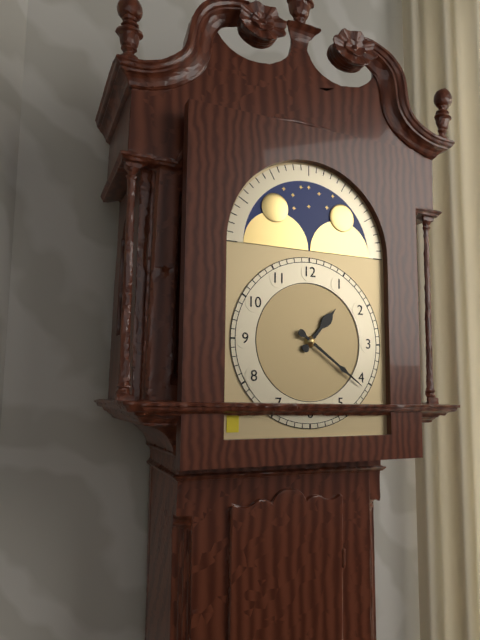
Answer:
h=1 m=21
